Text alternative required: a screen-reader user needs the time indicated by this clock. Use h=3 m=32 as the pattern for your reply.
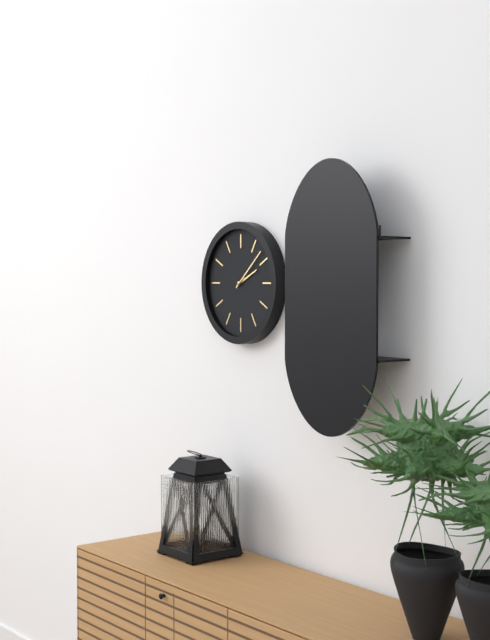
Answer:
h=2 m=8
